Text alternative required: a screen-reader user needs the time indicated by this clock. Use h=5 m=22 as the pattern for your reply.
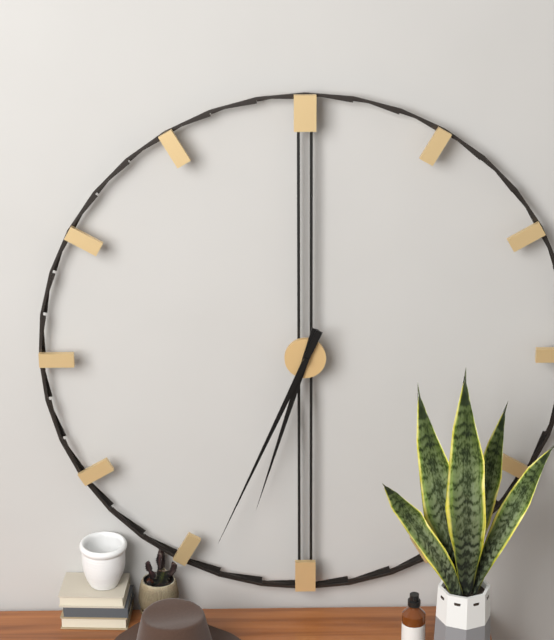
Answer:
h=6 m=34
